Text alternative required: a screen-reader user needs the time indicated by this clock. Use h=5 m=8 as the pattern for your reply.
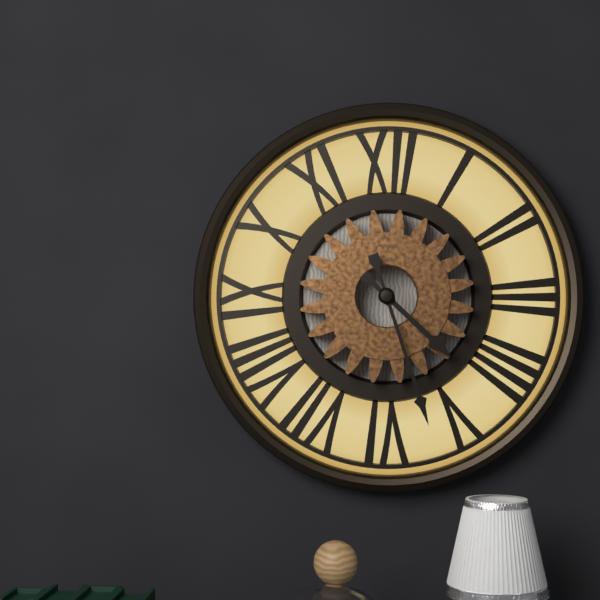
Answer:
h=4 m=27
